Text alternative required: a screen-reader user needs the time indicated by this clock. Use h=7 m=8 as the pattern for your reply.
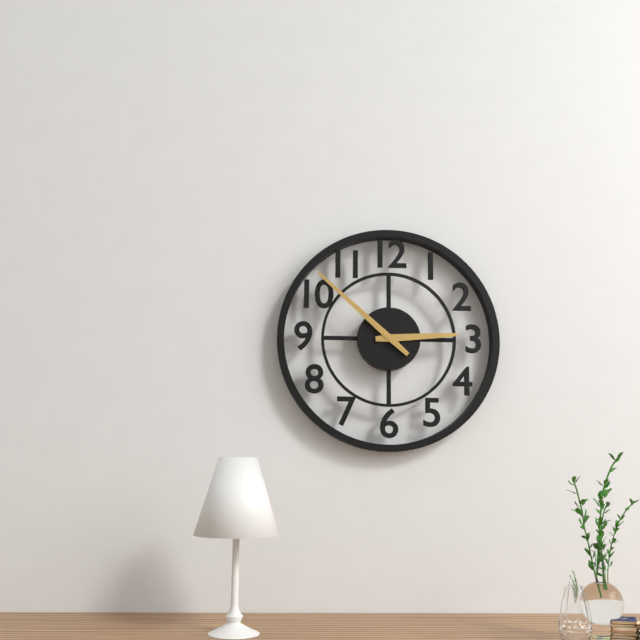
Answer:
h=2 m=52
